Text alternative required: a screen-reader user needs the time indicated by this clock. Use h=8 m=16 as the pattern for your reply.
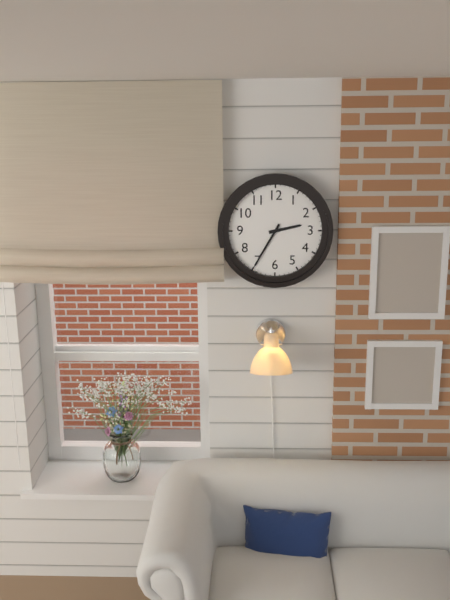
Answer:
h=2 m=35
